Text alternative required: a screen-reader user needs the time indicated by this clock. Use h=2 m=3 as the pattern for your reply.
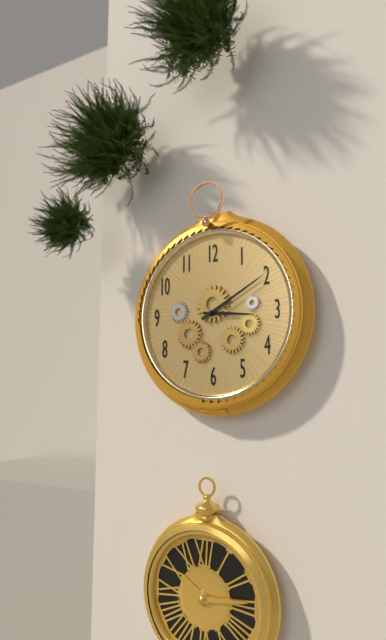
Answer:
h=3 m=10
